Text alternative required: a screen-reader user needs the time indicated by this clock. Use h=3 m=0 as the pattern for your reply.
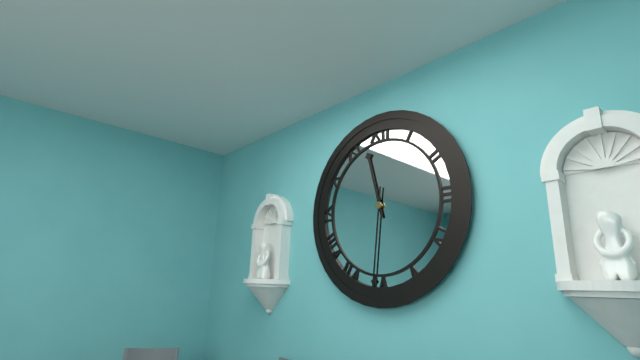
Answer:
h=11 m=31
